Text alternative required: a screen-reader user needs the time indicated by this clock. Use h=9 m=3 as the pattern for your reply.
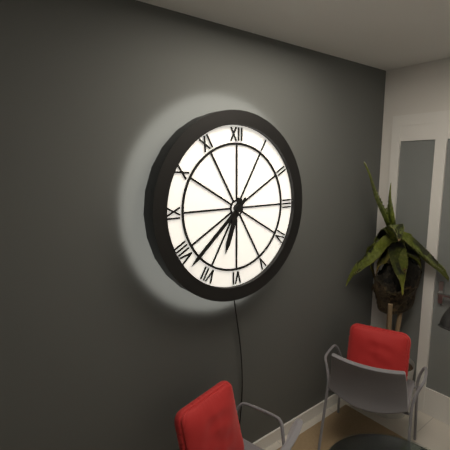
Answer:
h=6 m=38
